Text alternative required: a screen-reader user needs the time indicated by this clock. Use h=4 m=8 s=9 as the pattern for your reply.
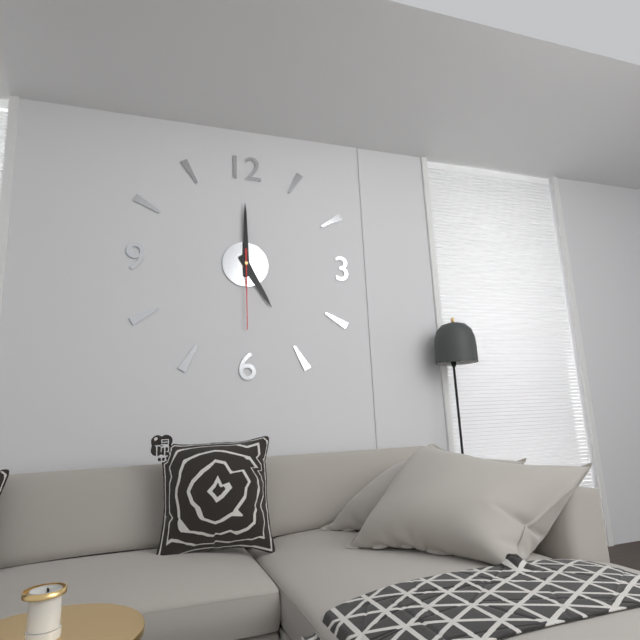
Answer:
h=5 m=0 s=30
